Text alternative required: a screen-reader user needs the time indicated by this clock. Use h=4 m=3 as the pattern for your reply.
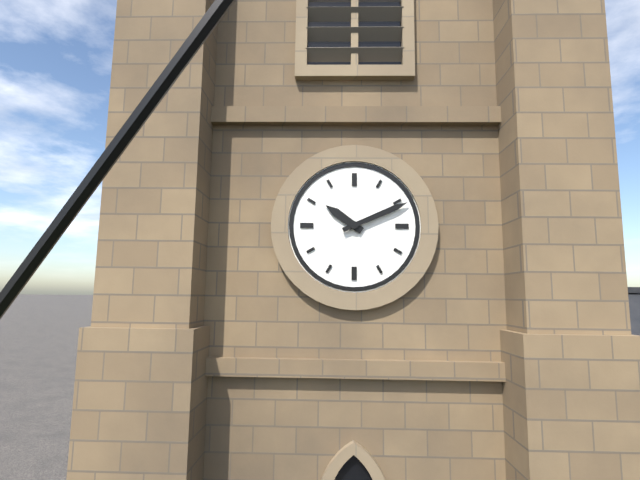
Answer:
h=10 m=11
